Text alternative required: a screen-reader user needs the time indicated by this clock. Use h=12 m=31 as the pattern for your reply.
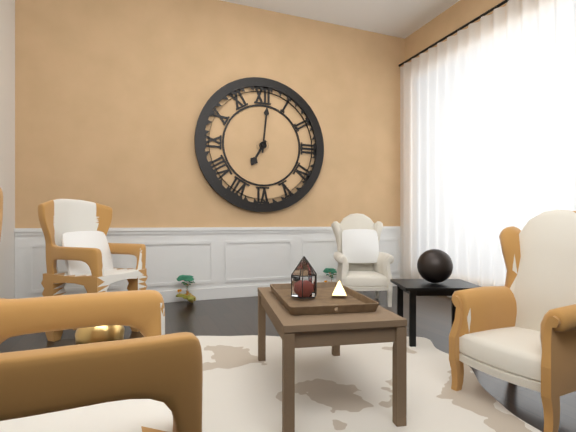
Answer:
h=7 m=1
